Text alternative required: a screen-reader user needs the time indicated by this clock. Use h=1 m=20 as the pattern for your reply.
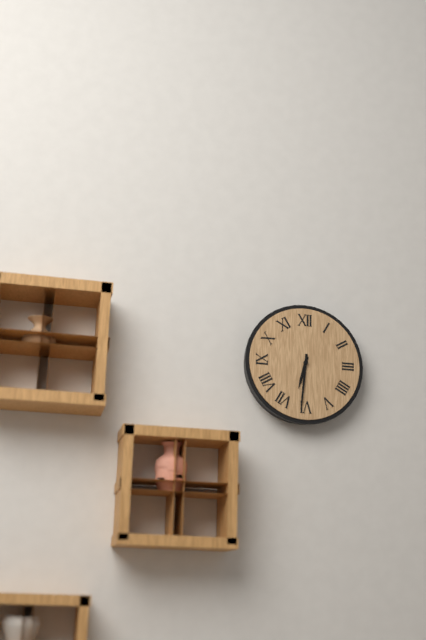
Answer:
h=6 m=31
